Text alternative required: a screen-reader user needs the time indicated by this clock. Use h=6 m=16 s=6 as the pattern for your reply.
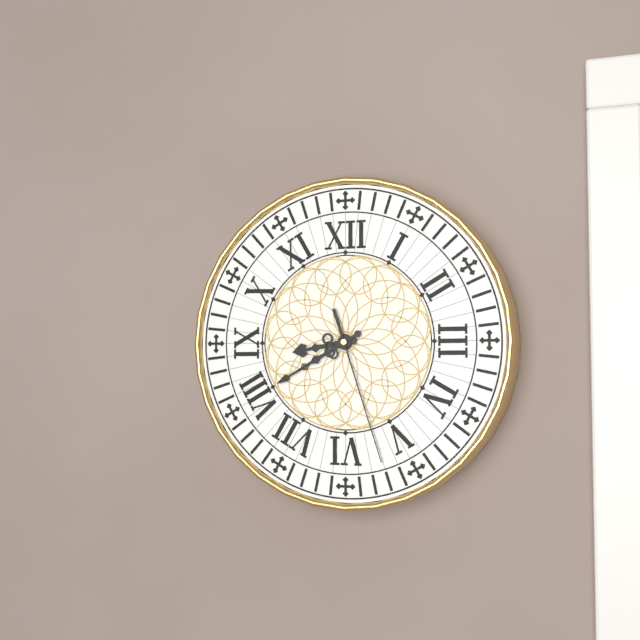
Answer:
h=8 m=40 s=27
